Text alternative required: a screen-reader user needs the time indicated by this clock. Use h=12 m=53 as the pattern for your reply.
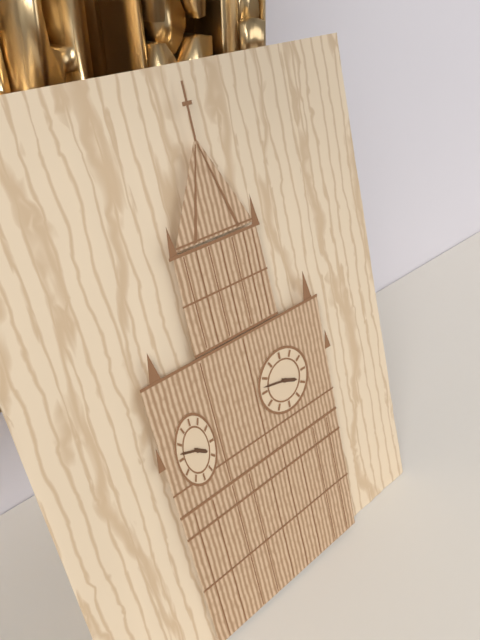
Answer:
h=3 m=47
